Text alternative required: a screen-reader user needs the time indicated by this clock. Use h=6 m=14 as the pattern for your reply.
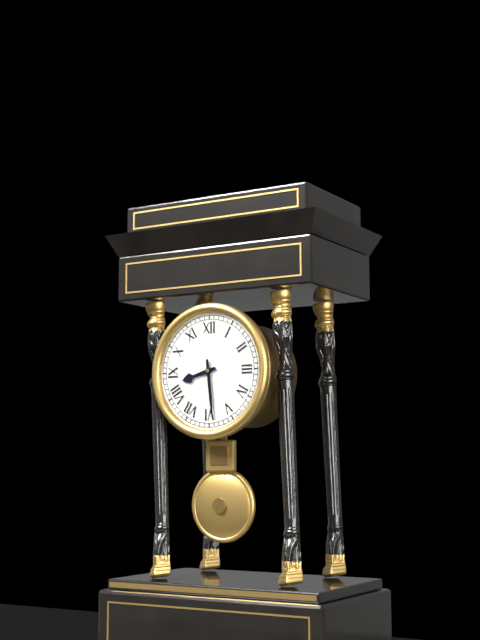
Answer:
h=8 m=29
